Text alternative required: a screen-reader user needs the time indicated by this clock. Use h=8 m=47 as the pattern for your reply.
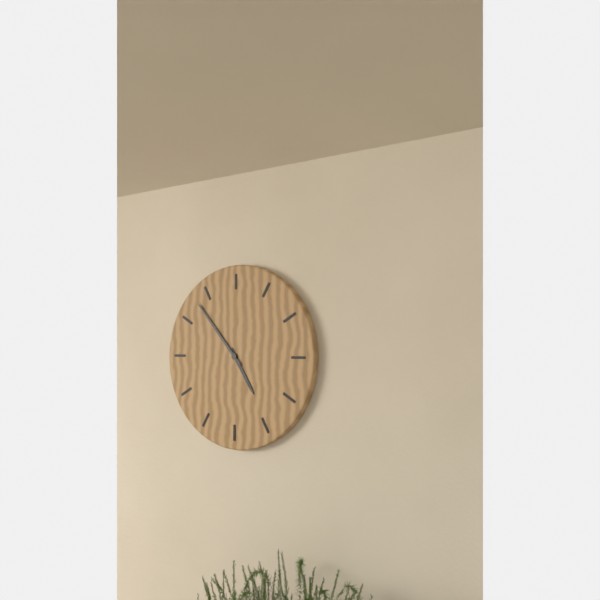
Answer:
h=4 m=53
